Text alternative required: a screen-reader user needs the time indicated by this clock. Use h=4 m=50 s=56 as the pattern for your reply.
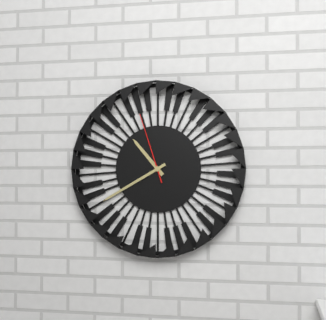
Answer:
h=10 m=40 s=57
